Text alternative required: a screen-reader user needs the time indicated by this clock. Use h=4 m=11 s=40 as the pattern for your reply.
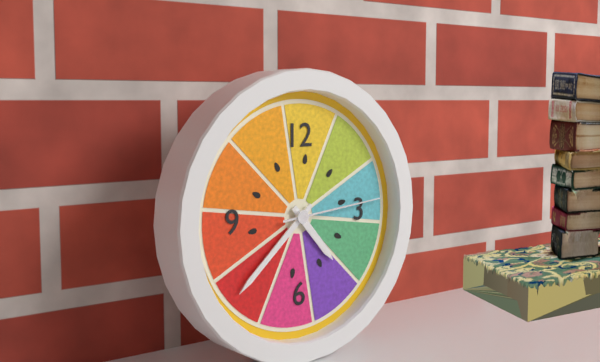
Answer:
h=4 m=38 s=14
